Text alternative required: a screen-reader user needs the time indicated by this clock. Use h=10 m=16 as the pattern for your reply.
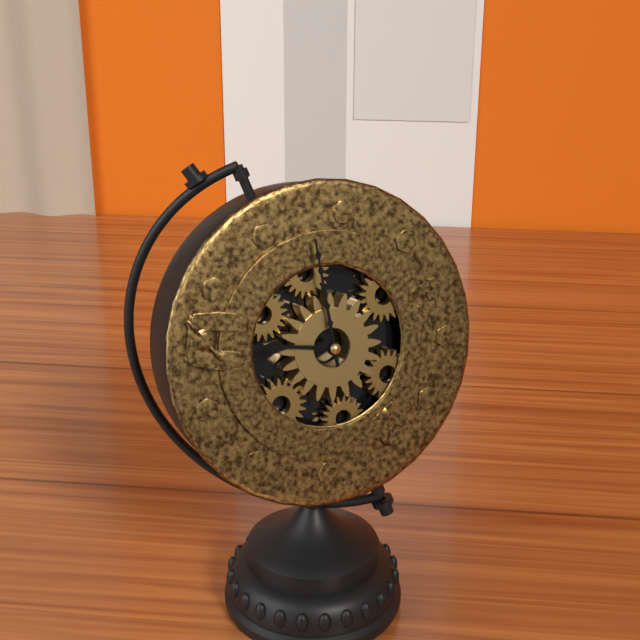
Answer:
h=8 m=57
